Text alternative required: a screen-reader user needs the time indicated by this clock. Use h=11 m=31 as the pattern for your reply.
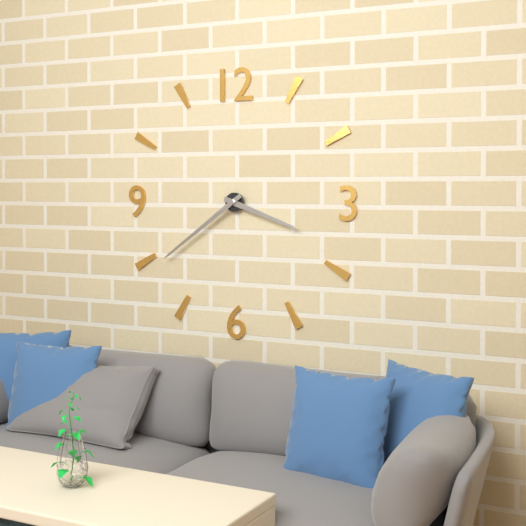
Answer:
h=3 m=39
